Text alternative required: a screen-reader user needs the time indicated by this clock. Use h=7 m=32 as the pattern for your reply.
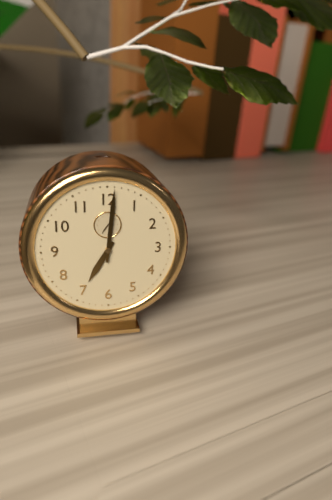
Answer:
h=7 m=1
